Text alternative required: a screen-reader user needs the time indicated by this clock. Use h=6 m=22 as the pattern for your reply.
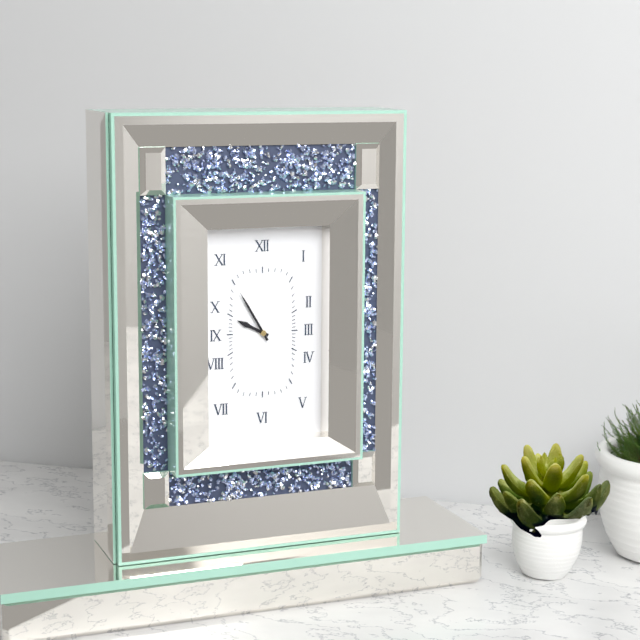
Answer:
h=9 m=55
